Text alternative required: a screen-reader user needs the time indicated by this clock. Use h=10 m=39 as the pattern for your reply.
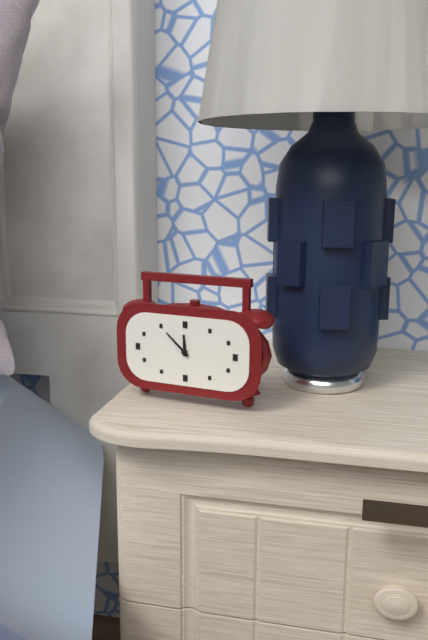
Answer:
h=11 m=52
